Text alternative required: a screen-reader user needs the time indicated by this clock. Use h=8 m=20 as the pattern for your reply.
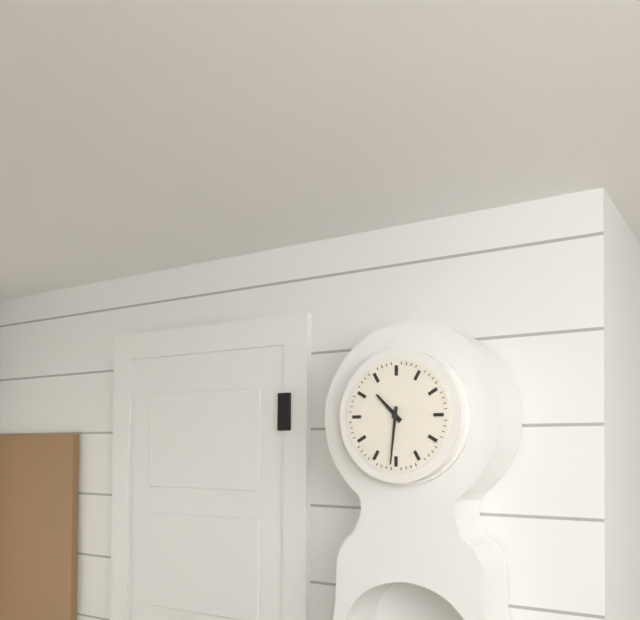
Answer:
h=10 m=31
